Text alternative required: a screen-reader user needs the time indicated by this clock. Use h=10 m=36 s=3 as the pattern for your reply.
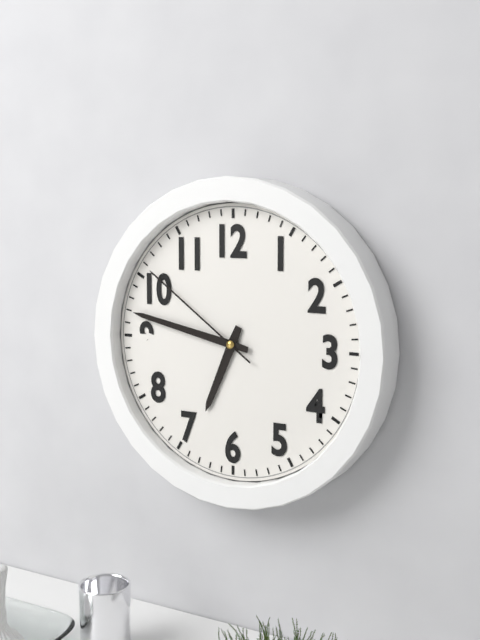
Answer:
h=6 m=47 s=51
